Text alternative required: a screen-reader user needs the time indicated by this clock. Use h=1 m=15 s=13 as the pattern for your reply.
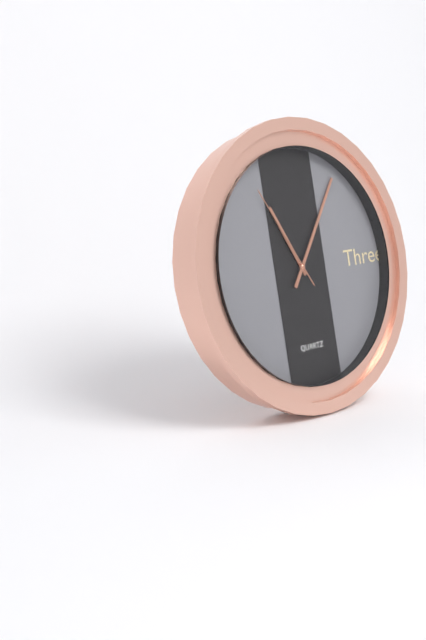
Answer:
h=11 m=6 s=55
